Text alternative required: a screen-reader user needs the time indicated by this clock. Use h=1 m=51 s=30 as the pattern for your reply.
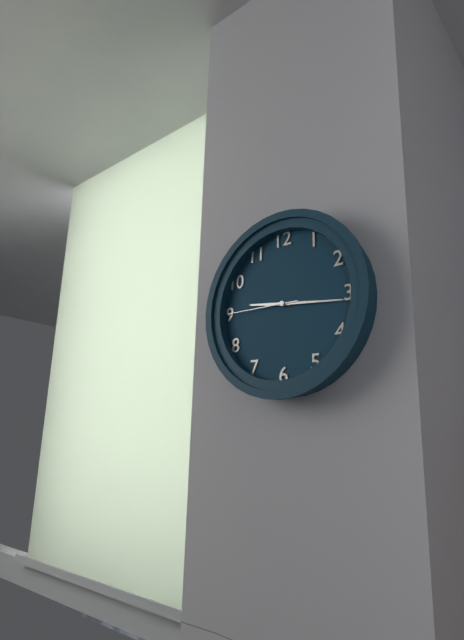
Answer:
h=9 m=16 s=45
